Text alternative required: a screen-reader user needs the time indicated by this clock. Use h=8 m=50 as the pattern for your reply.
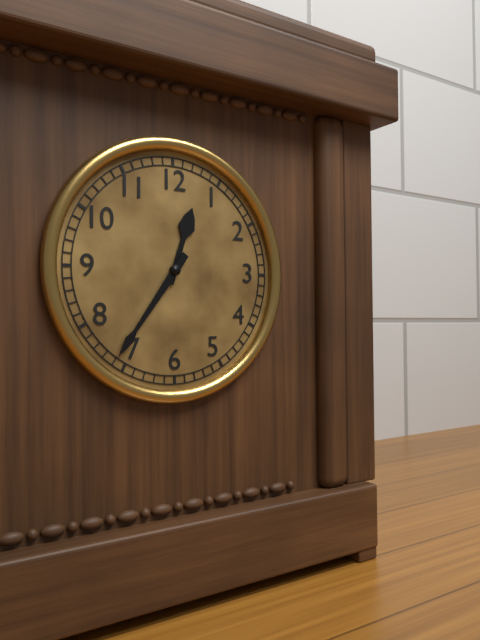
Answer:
h=12 m=36
